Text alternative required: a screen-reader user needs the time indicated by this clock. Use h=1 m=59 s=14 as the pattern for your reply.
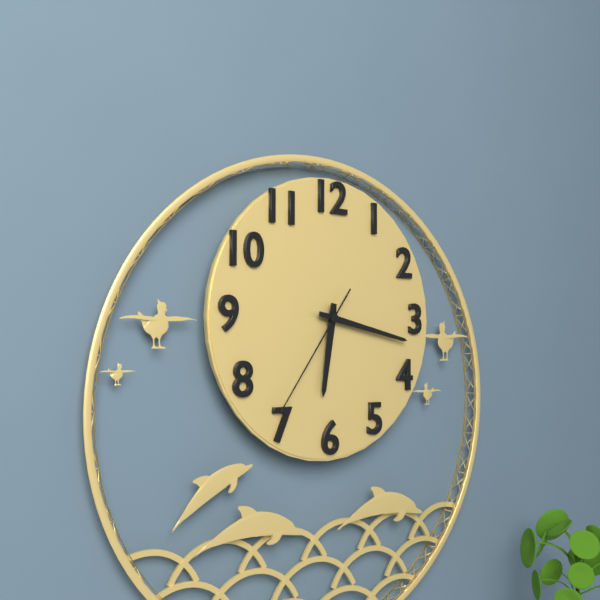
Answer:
h=6 m=17 s=36
